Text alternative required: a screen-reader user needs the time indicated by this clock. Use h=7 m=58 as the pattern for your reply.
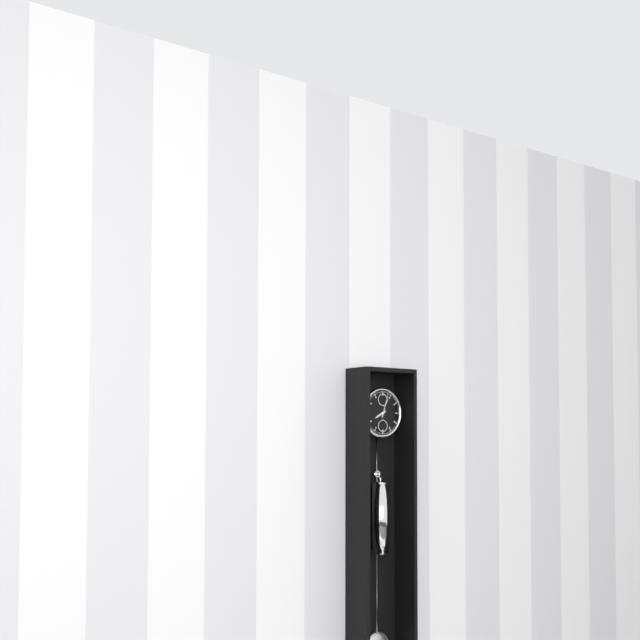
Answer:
h=8 m=3
